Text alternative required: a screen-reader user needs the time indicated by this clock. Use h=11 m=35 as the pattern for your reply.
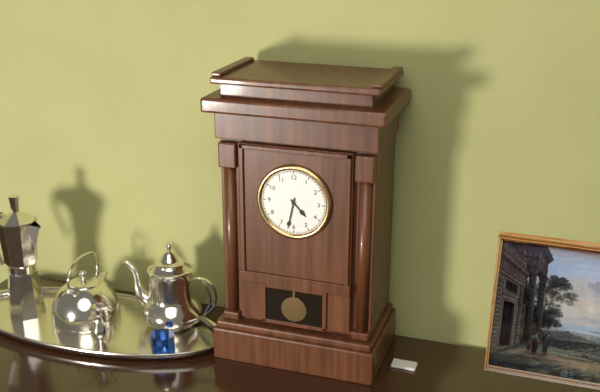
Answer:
h=4 m=32
